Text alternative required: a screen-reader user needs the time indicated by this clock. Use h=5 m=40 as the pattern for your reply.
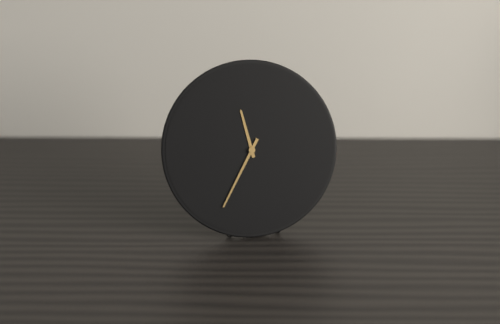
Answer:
h=11 m=35
